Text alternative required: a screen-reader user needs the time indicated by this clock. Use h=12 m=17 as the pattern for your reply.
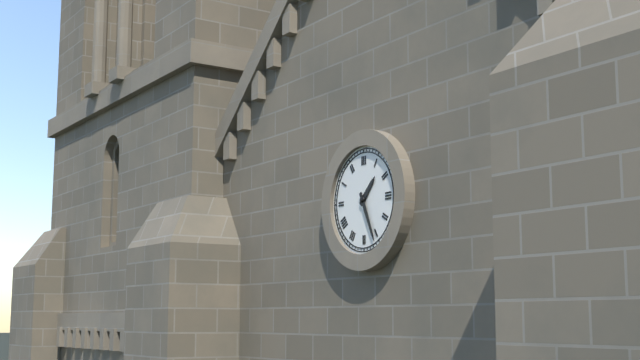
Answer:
h=1 m=26
